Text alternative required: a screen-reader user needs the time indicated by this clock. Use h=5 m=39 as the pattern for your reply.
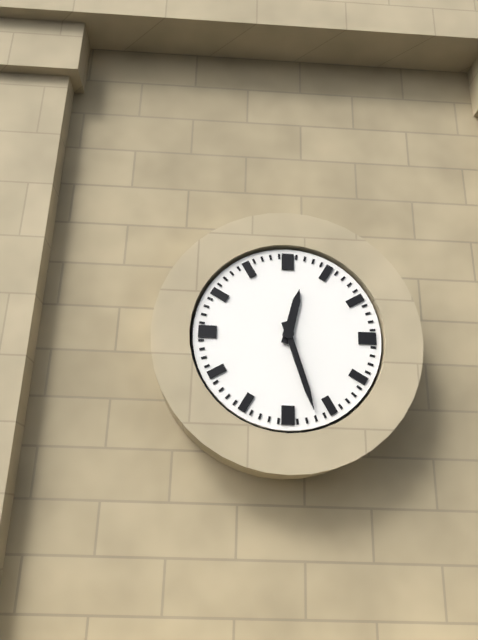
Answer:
h=12 m=27
